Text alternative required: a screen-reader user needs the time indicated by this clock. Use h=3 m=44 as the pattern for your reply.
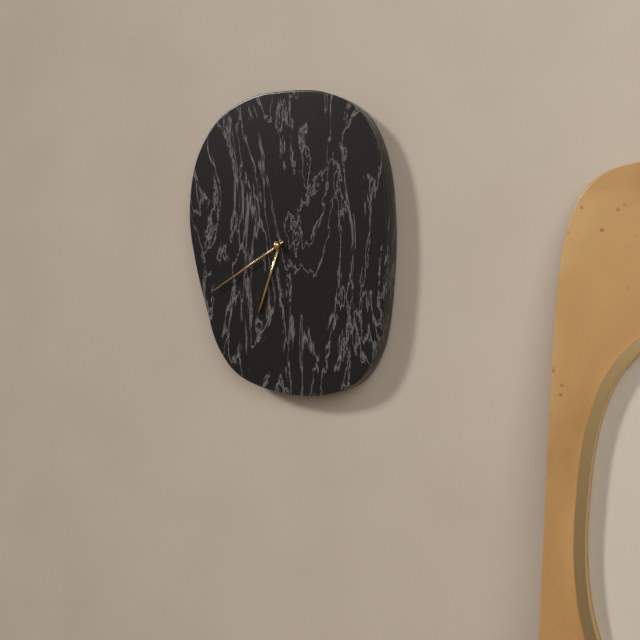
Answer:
h=6 m=40
